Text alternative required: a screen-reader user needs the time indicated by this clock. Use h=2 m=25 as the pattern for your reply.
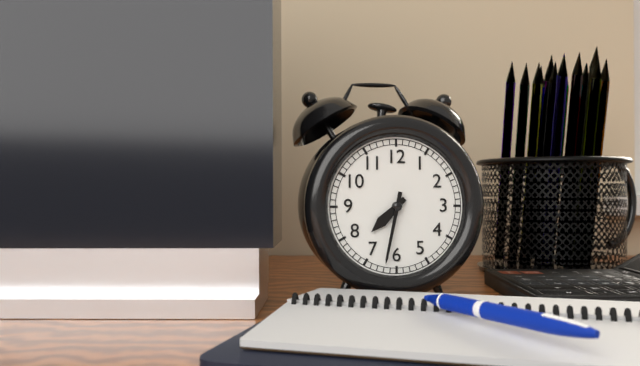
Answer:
h=7 m=32
